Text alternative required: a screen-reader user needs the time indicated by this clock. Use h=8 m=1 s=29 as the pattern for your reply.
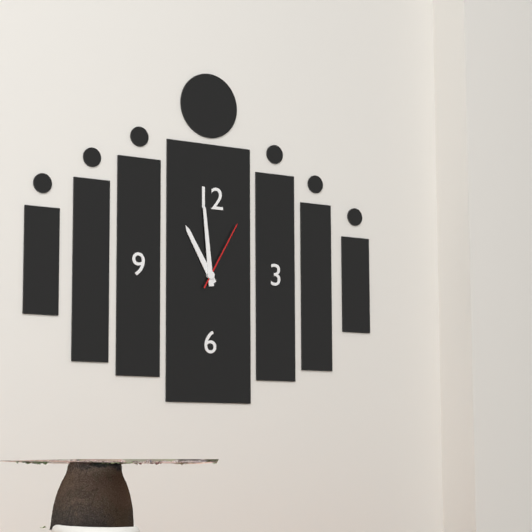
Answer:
h=10 m=59 s=5
